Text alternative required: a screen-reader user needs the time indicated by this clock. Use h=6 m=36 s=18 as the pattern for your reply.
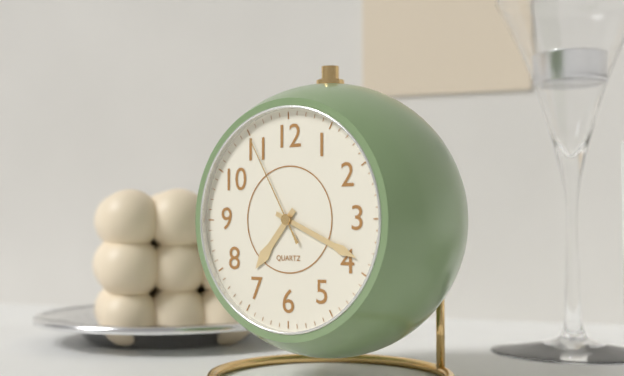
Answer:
h=7 m=19 s=55
